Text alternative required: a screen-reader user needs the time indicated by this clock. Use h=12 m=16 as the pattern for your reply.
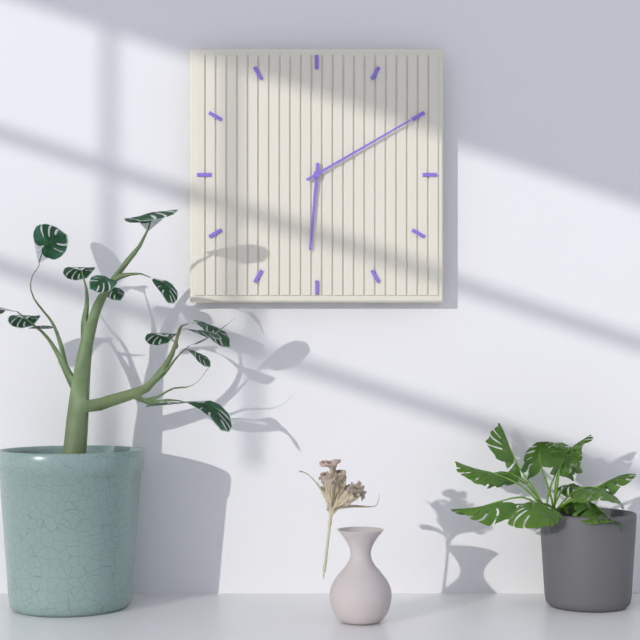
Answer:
h=6 m=10
